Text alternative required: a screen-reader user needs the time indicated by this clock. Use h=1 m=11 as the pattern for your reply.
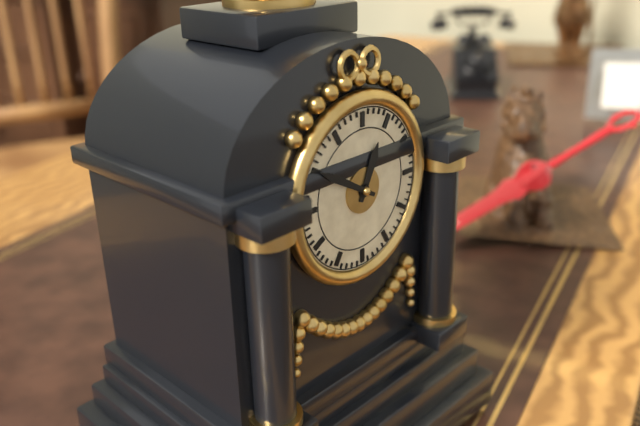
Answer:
h=12 m=50
